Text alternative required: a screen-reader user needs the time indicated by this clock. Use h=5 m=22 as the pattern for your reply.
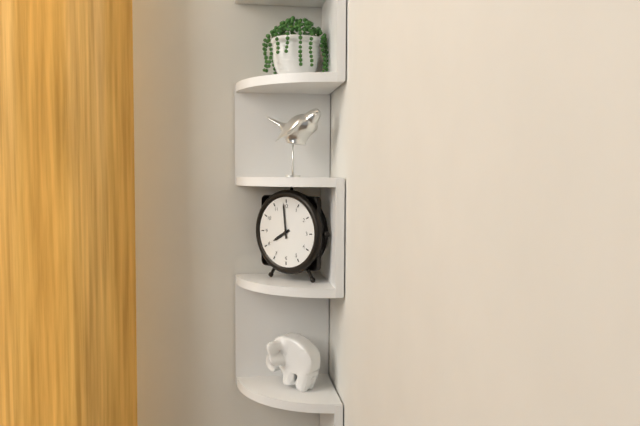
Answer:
h=7 m=59
